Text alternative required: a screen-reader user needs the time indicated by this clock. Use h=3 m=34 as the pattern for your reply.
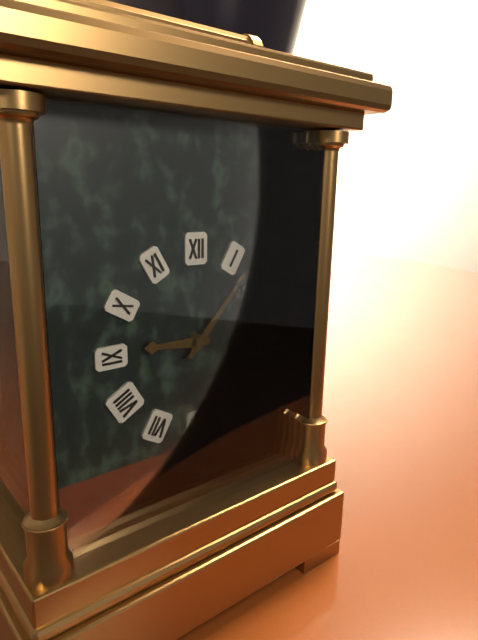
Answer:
h=9 m=7
